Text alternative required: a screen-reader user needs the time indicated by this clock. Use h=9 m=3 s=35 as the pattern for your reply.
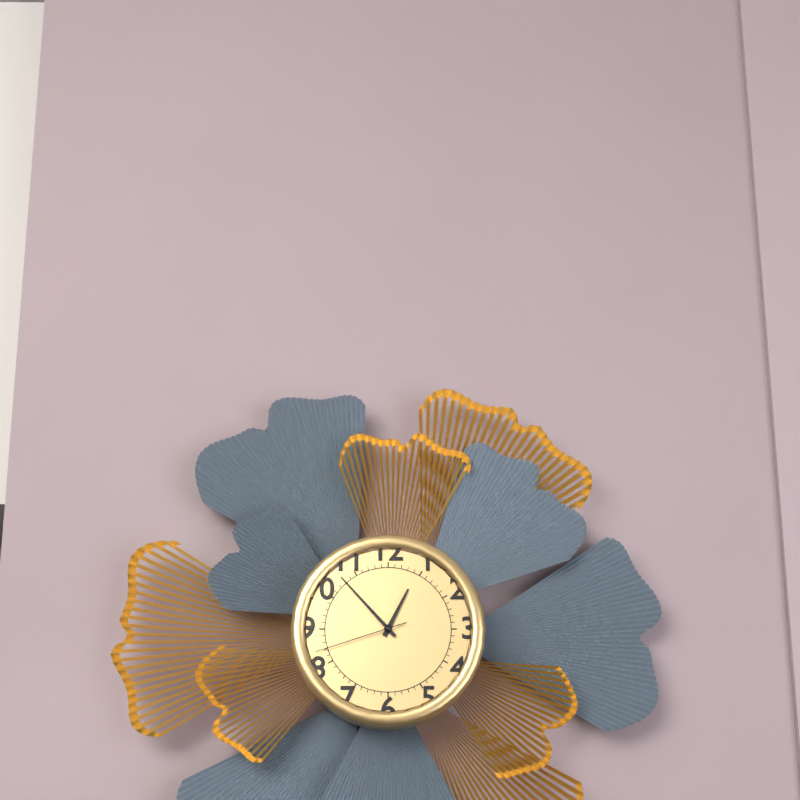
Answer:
h=12 m=53 s=42
